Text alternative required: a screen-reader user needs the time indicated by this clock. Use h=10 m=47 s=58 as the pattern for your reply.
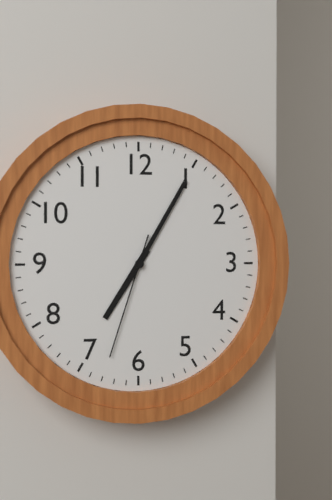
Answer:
h=7 m=5 s=33
